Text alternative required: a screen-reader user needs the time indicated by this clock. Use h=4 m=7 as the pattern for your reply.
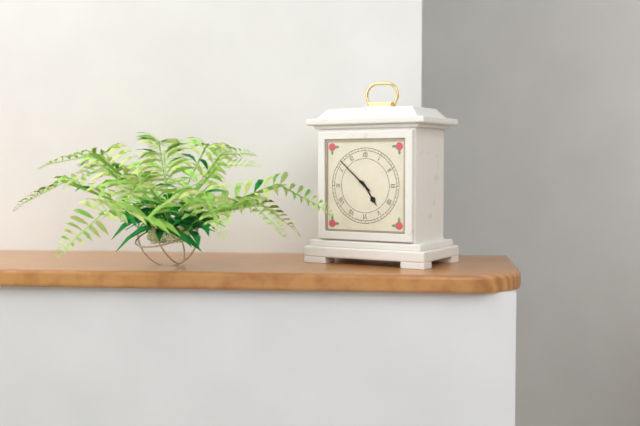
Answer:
h=4 m=52
